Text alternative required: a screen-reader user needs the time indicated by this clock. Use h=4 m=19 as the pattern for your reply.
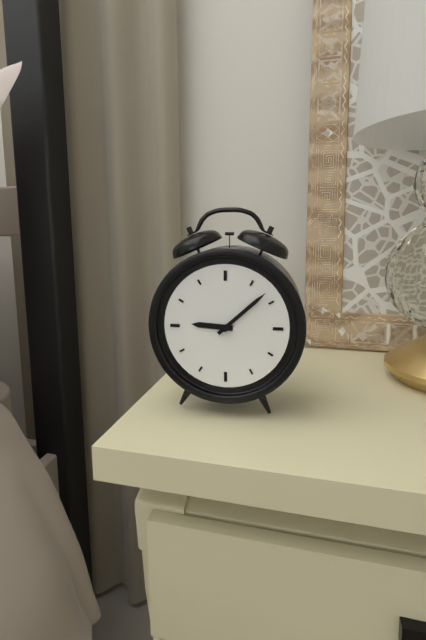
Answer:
h=9 m=8
